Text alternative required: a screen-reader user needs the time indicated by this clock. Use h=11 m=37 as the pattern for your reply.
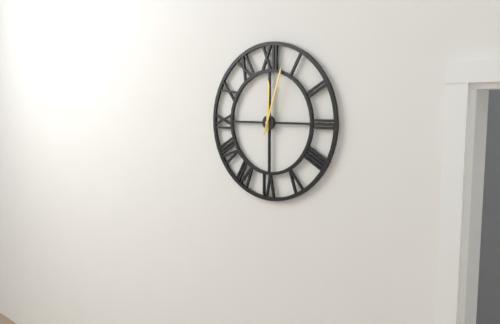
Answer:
h=12 m=3
